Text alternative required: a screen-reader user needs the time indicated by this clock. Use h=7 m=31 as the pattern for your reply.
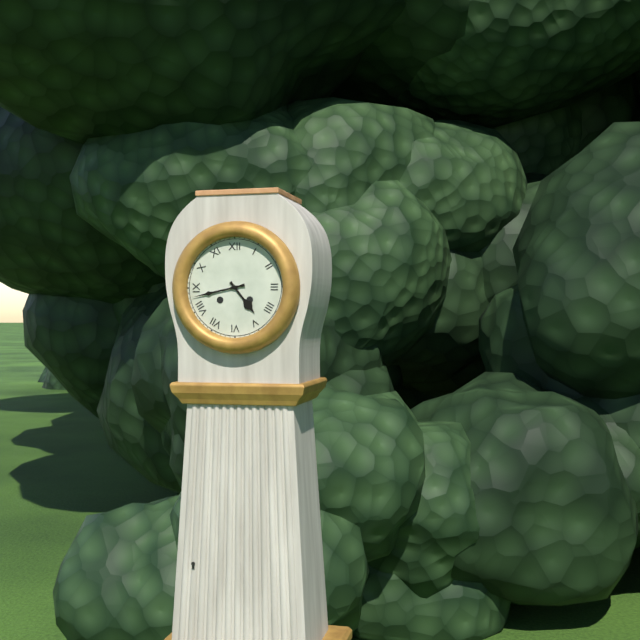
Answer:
h=4 m=43
